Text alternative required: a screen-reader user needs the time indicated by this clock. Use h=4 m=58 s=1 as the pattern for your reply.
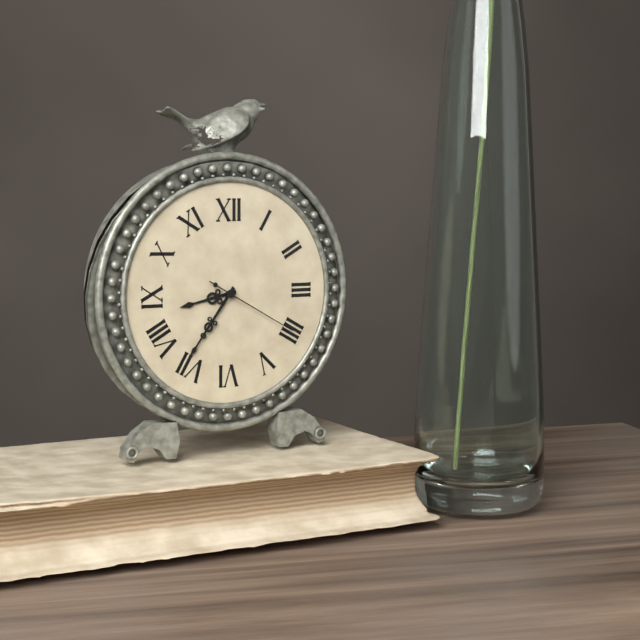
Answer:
h=8 m=36 s=20
